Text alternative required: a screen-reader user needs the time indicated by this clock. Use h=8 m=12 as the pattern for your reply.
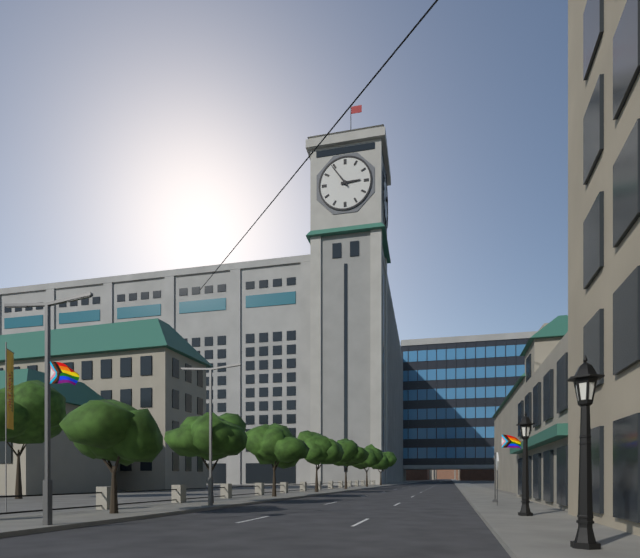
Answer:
h=2 m=54
